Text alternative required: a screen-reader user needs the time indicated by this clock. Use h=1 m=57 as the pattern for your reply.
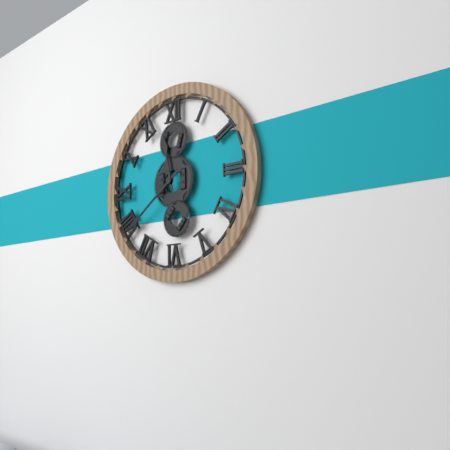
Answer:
h=11 m=39
